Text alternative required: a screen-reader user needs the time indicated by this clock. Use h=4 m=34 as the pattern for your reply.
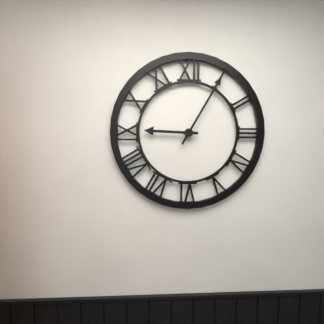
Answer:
h=9 m=5
